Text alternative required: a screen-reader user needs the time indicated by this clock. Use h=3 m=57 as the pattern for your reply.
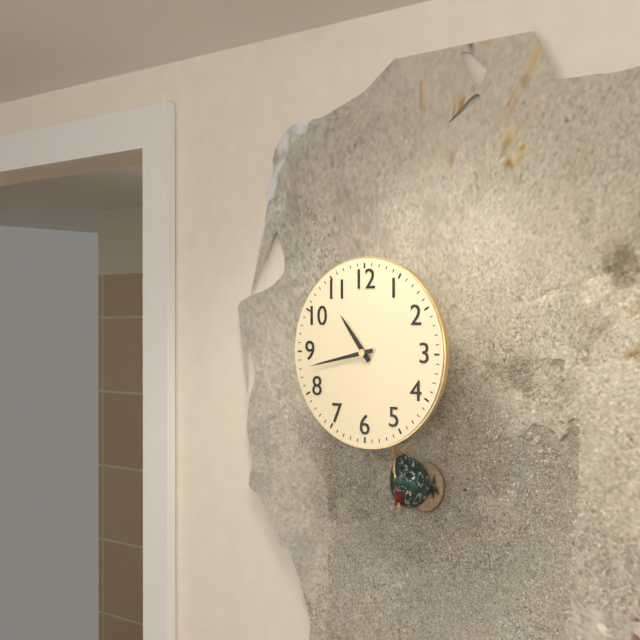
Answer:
h=10 m=43
